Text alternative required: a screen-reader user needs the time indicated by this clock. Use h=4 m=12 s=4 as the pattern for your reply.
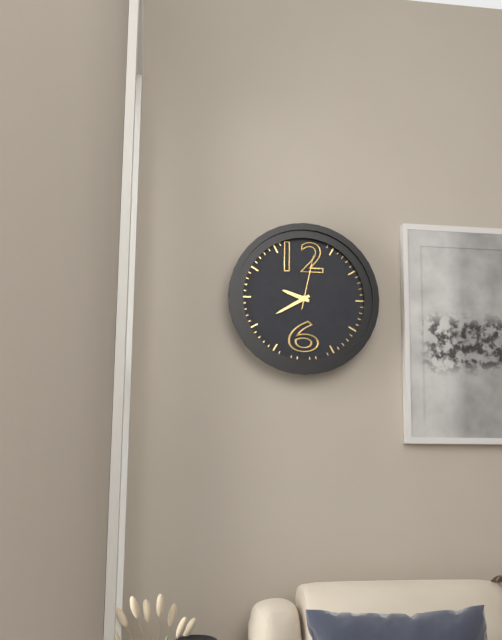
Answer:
h=9 m=40 s=2
